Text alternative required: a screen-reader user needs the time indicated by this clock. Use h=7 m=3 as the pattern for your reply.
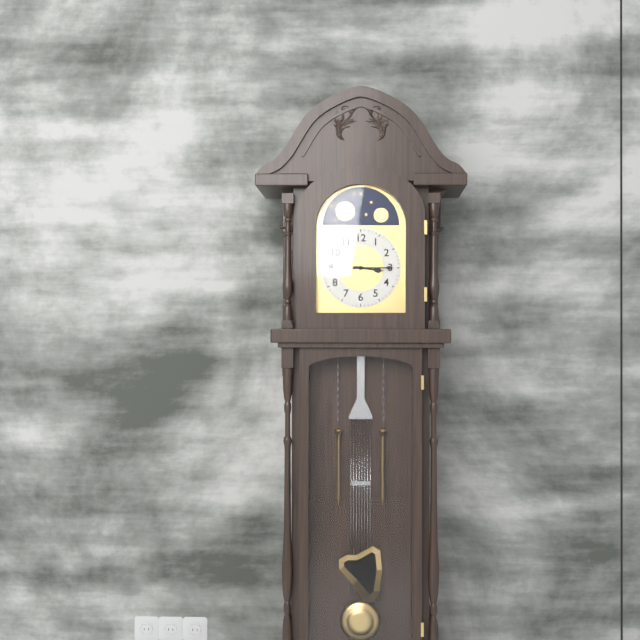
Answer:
h=3 m=15
